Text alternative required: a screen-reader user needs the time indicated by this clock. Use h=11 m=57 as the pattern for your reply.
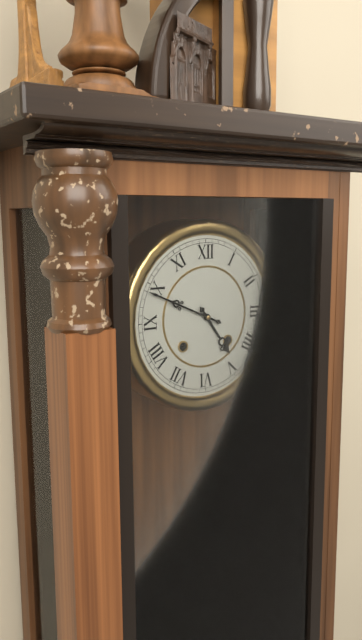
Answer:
h=4 m=49
